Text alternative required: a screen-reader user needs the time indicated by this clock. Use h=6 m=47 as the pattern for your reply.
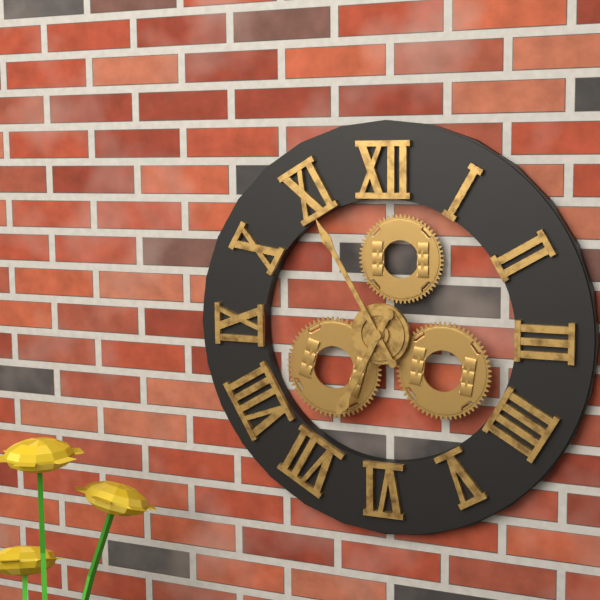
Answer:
h=6 m=55
